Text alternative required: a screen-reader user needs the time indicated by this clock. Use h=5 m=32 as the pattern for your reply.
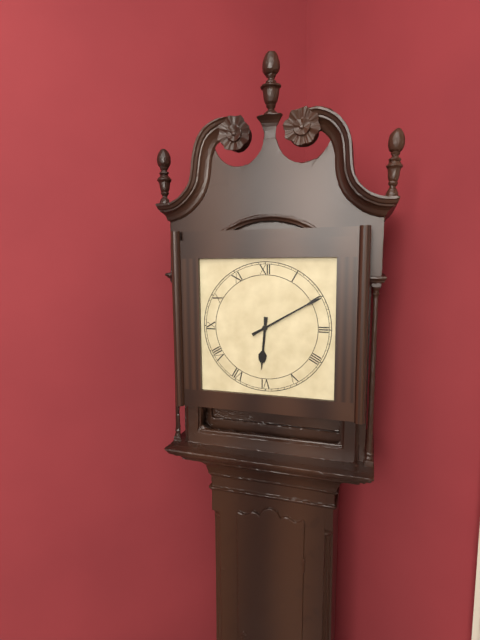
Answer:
h=6 m=10
